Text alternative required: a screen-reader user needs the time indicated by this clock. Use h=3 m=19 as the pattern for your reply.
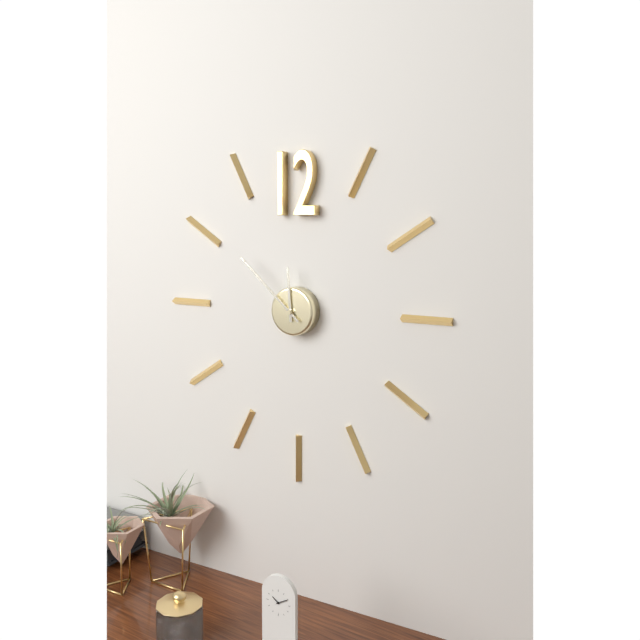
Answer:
h=11 m=52
